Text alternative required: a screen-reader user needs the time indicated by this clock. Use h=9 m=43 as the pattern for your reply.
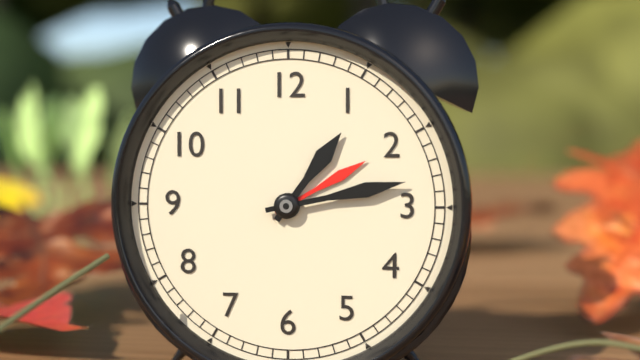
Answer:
h=1 m=13
